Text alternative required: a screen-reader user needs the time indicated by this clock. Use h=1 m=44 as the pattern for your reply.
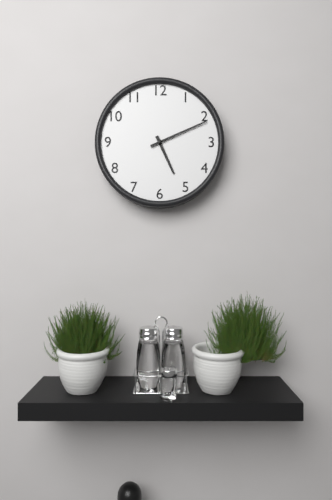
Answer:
h=5 m=11
